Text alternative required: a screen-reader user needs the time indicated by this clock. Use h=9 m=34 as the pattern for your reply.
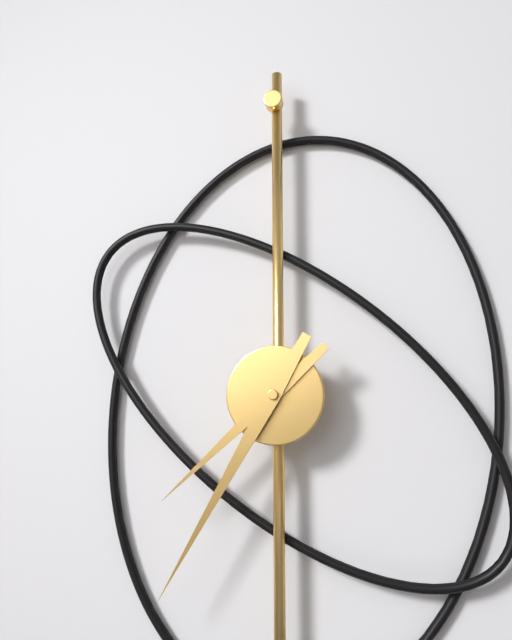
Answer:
h=7 m=35
